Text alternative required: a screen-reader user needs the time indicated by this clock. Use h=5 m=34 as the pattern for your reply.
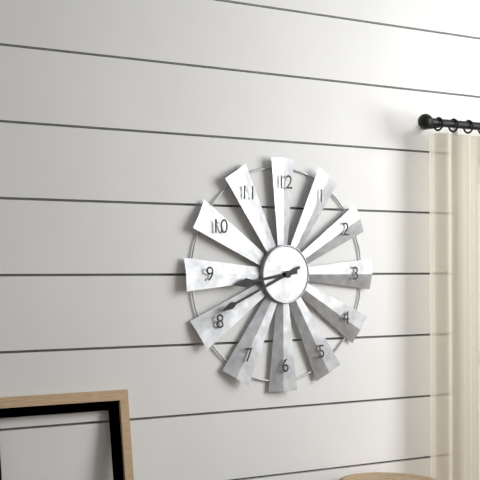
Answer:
h=8 m=41
